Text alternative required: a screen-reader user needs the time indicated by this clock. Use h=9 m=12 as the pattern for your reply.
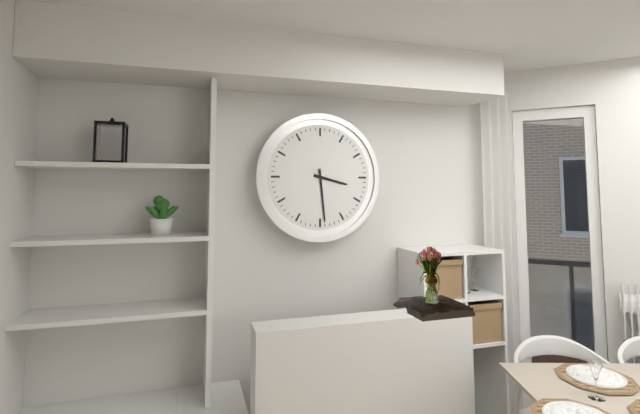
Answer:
h=3 m=29
